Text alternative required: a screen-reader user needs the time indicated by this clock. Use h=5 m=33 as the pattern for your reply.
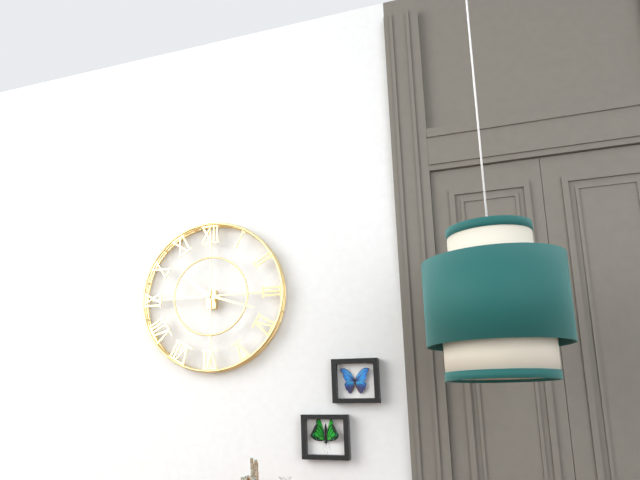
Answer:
h=10 m=18
